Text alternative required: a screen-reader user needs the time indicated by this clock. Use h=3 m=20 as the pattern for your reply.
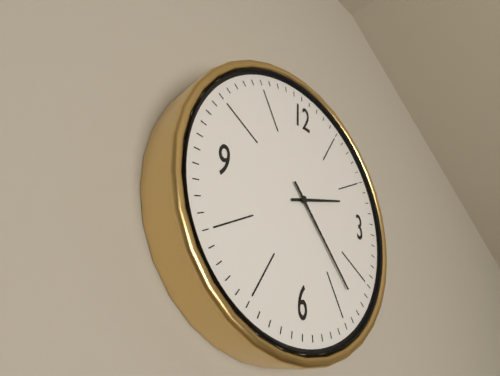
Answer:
h=2 m=23
